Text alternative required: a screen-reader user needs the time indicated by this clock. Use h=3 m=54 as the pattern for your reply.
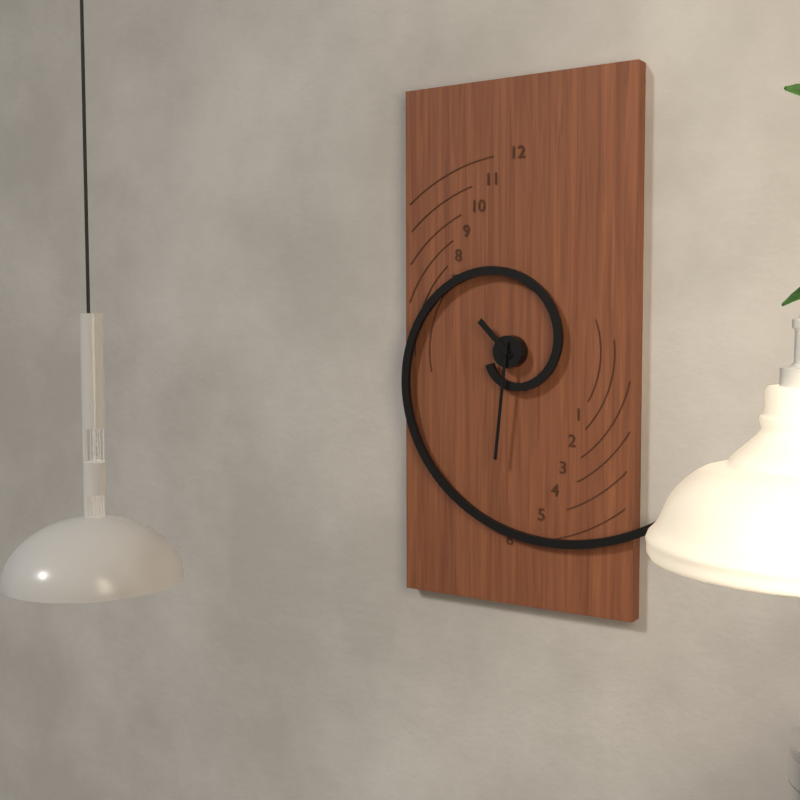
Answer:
h=10 m=31
